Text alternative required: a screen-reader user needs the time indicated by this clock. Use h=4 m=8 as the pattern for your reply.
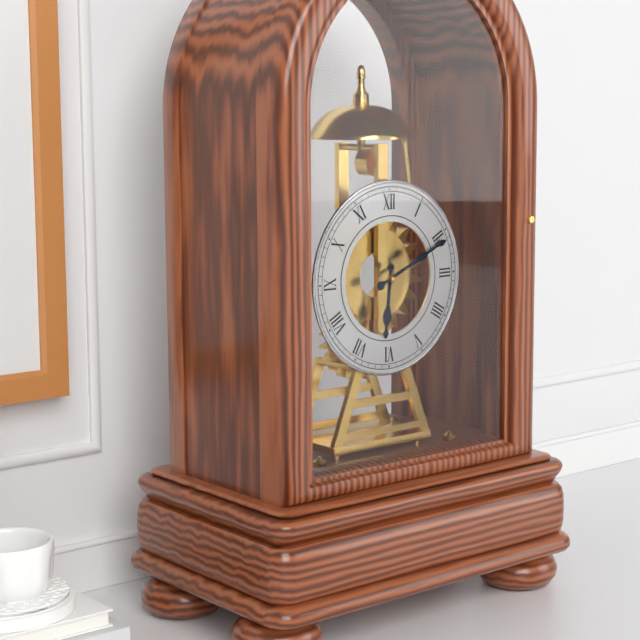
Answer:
h=6 m=11
